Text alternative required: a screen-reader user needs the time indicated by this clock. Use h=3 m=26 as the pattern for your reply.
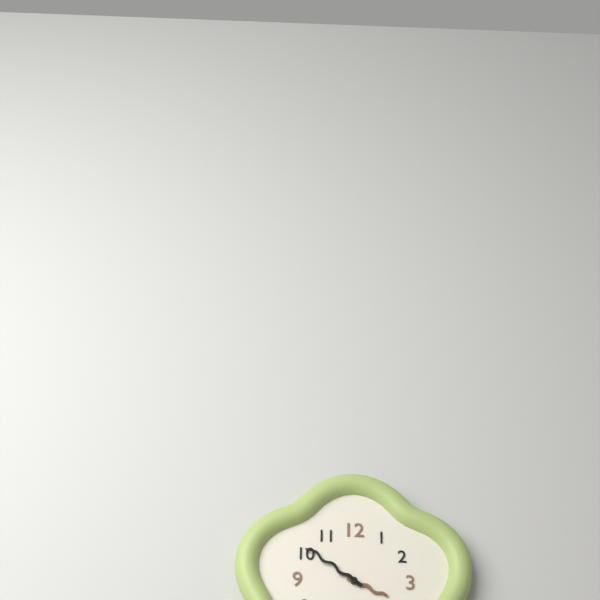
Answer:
h=3 m=51
